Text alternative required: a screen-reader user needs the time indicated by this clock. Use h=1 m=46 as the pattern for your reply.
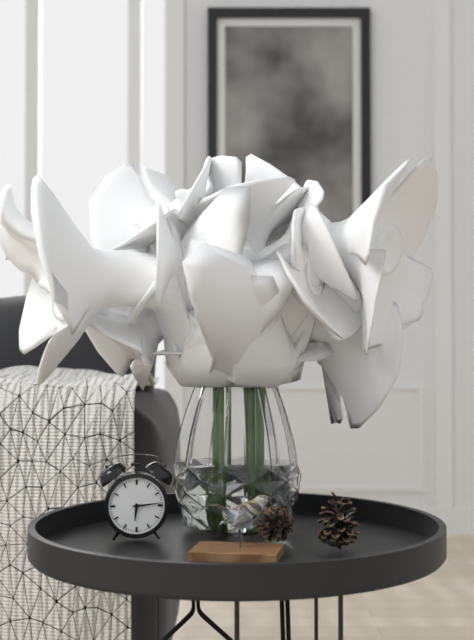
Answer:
h=6 m=14
